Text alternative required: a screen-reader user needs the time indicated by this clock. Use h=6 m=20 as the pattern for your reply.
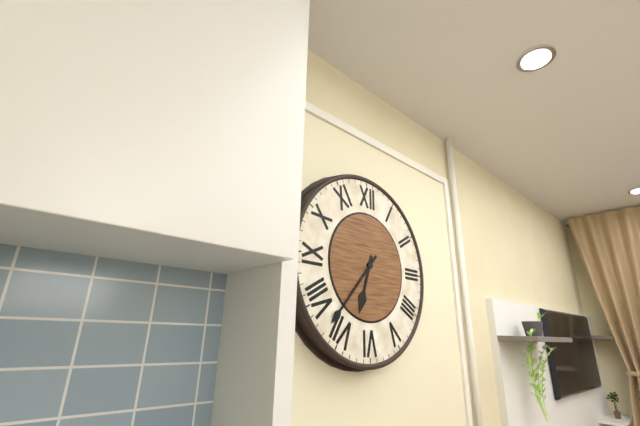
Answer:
h=6 m=37
